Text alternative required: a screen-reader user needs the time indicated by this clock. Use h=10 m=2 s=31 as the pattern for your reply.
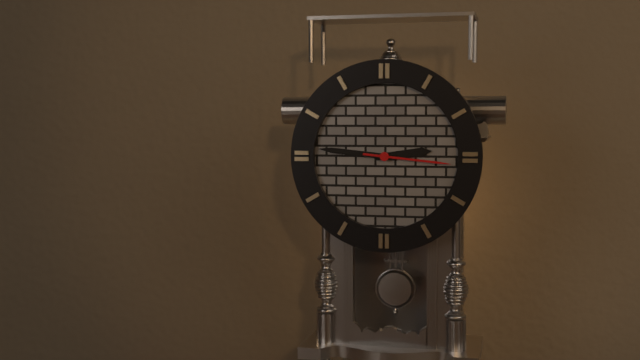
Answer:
h=2 m=46 s=16
